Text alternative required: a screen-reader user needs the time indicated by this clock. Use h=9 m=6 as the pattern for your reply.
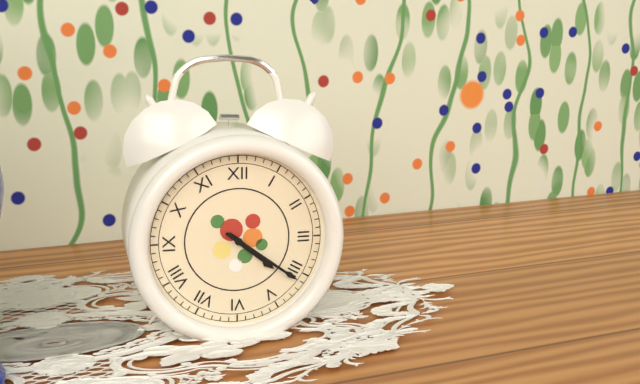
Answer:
h=4 m=21
